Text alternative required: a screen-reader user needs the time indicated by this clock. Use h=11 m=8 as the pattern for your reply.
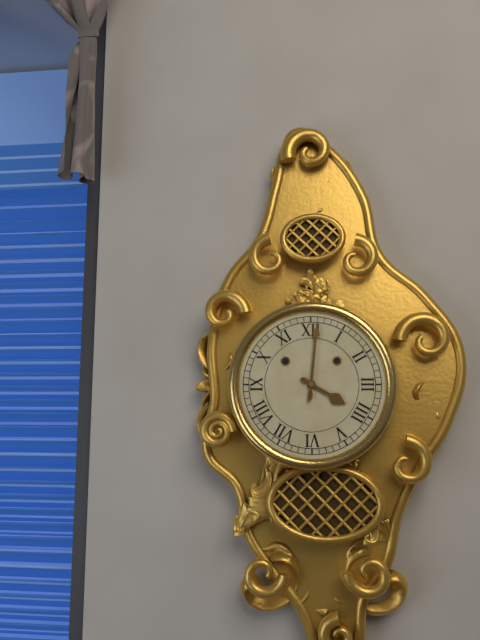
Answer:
h=4 m=1
